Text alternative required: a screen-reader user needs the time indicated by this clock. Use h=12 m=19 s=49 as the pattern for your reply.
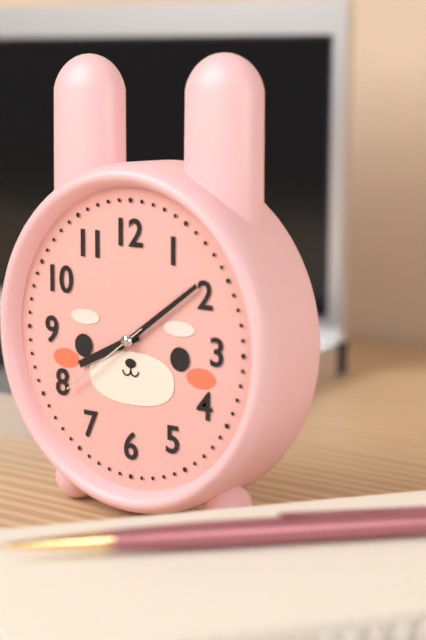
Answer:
h=8 m=9 s=39
